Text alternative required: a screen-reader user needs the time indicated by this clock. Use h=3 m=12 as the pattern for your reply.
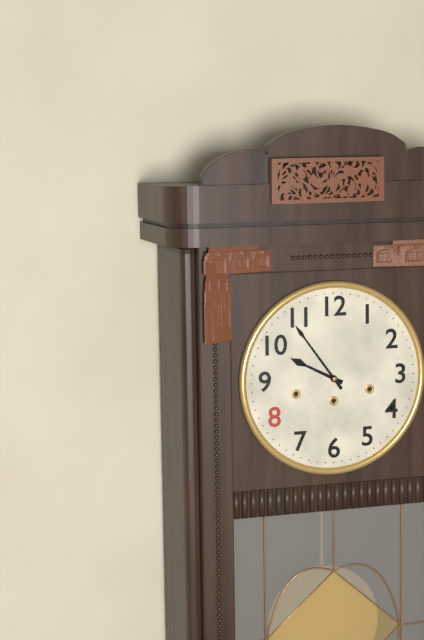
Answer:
h=9 m=54
